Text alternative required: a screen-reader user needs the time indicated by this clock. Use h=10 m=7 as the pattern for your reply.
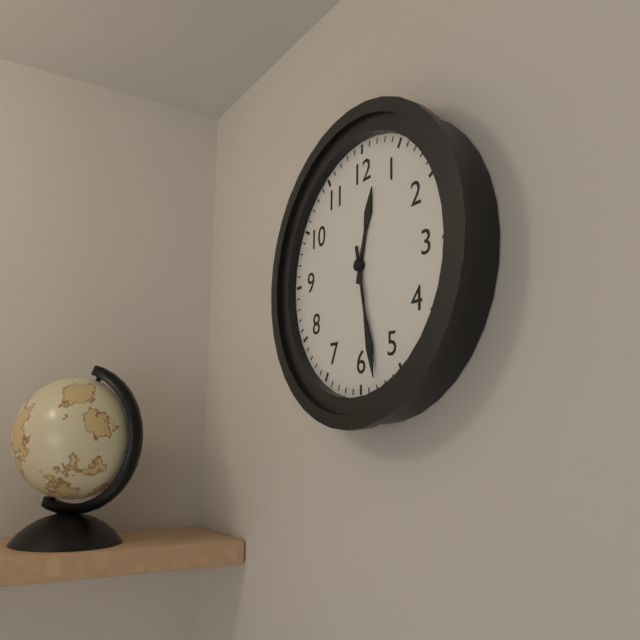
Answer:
h=12 m=28
